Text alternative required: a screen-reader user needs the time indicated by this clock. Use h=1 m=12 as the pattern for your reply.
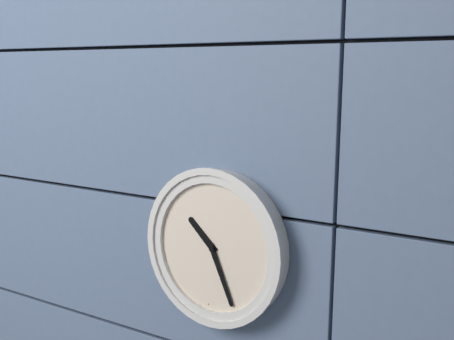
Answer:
h=10 m=26
